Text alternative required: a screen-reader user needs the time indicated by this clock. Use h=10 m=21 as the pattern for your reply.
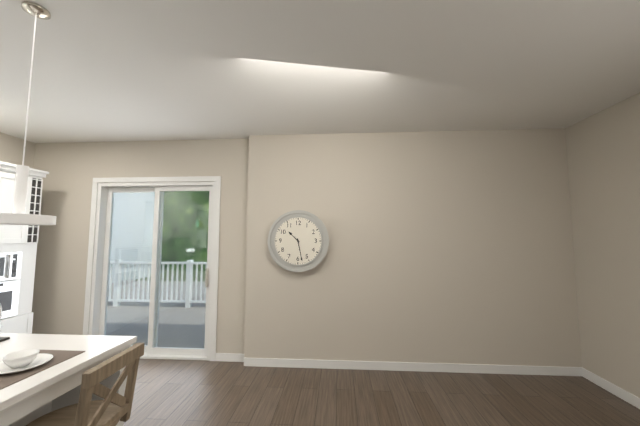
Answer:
h=10 m=28
